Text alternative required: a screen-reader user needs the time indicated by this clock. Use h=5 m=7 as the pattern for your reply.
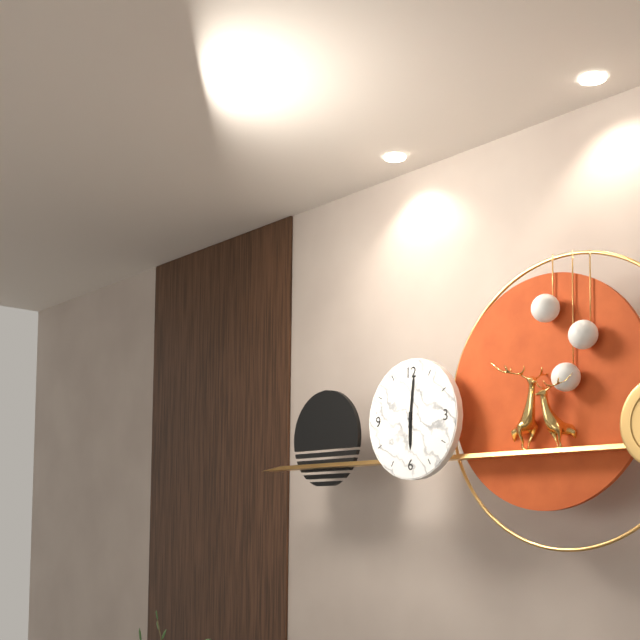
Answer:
h=6 m=1
